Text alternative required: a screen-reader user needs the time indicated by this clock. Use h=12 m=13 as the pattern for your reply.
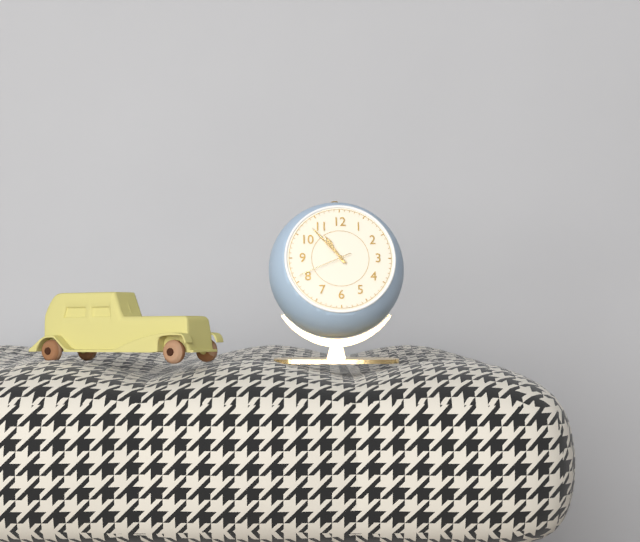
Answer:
h=10 m=53
